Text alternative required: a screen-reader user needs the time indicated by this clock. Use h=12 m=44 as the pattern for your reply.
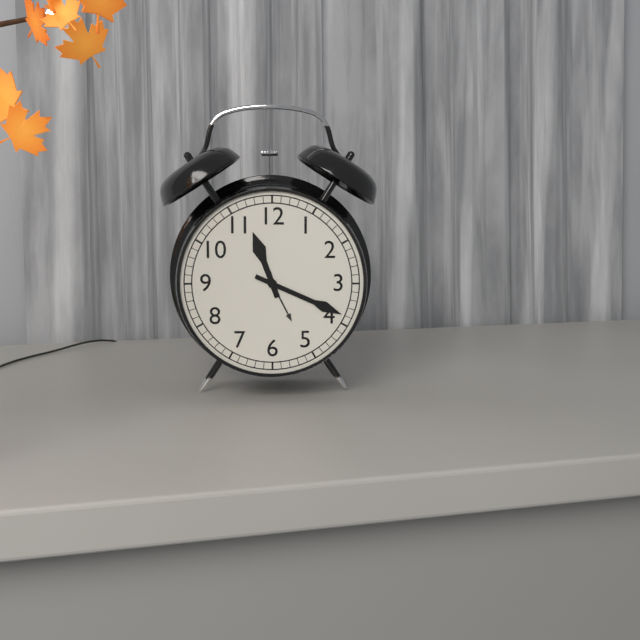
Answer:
h=11 m=19
